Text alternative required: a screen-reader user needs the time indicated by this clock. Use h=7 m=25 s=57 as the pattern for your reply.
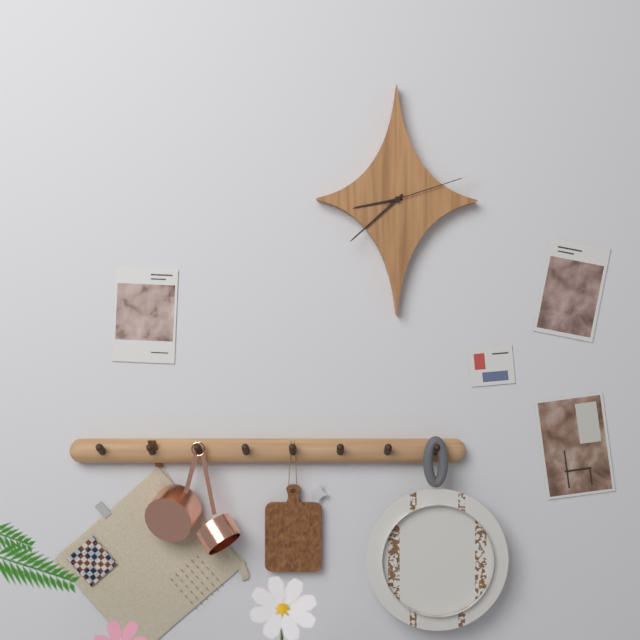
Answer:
h=8 m=38 s=12
